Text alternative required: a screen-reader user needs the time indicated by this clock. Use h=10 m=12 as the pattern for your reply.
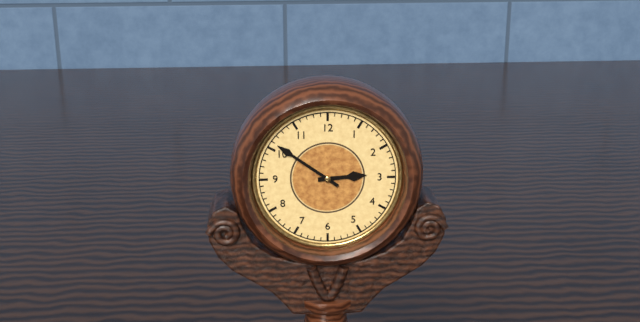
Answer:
h=2 m=51
